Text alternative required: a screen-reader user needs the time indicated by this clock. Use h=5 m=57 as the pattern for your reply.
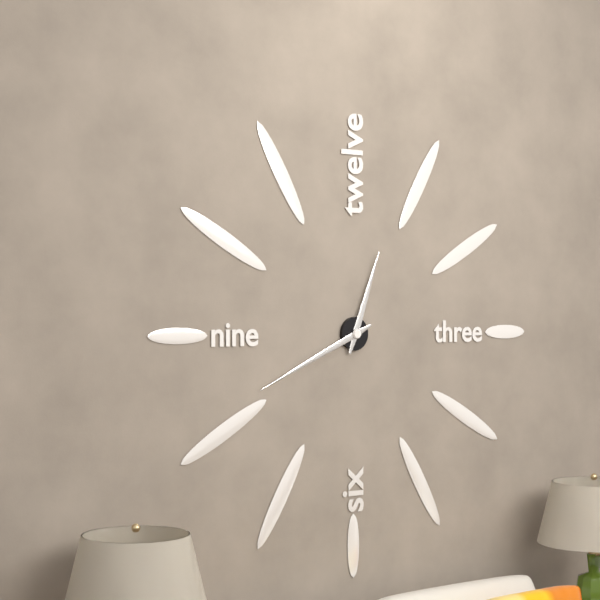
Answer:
h=12 m=41
